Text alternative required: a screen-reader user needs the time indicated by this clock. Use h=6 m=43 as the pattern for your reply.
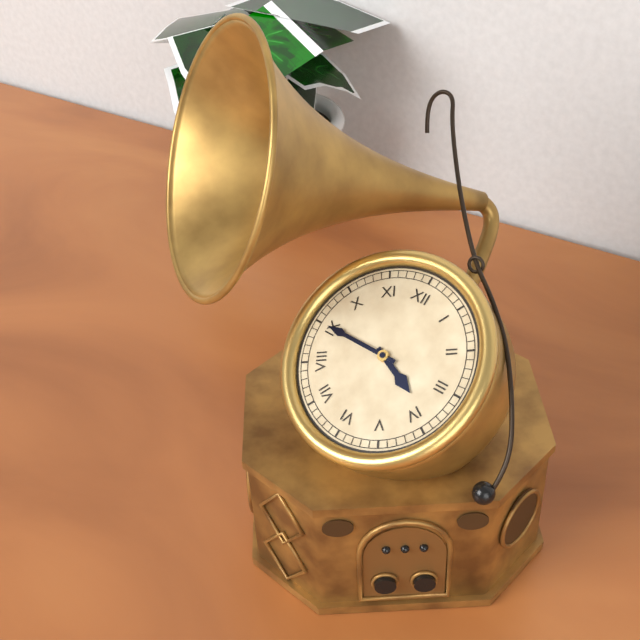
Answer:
h=3 m=45
